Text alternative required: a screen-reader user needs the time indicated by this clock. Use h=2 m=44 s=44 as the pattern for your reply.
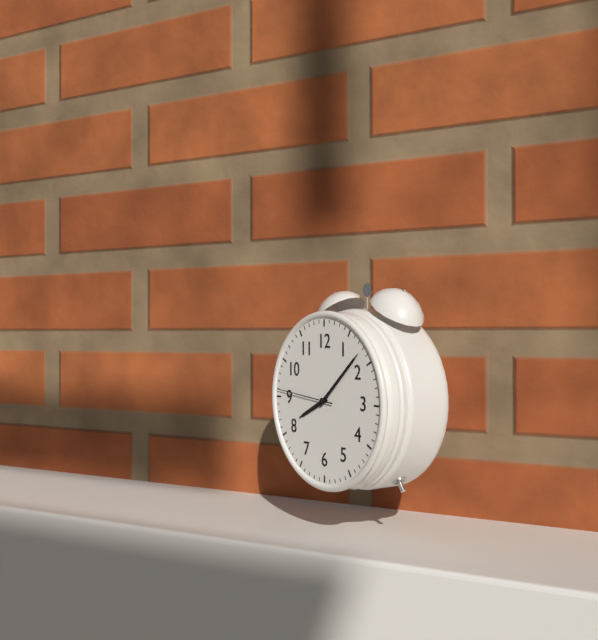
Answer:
h=8 m=8 s=46
